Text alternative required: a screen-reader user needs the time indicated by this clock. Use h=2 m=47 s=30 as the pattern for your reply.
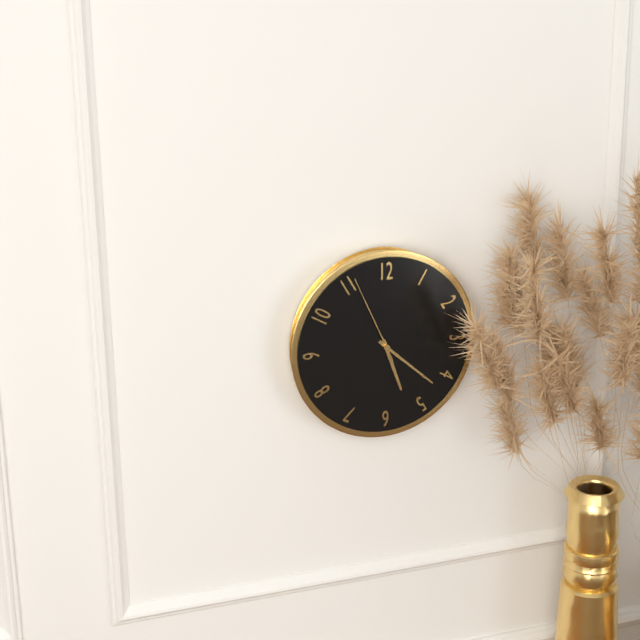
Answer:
h=5 m=22 s=56
